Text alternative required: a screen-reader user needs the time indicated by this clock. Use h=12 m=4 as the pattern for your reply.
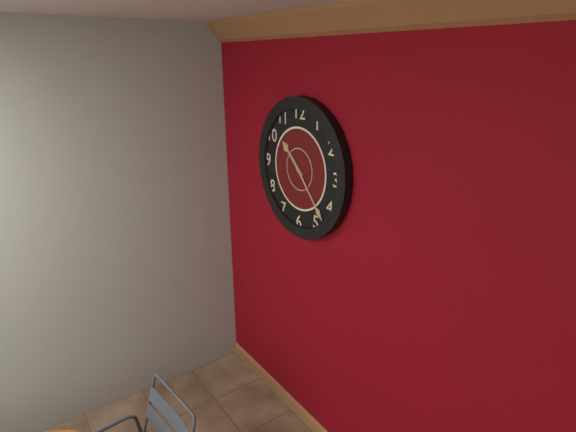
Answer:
h=10 m=23
